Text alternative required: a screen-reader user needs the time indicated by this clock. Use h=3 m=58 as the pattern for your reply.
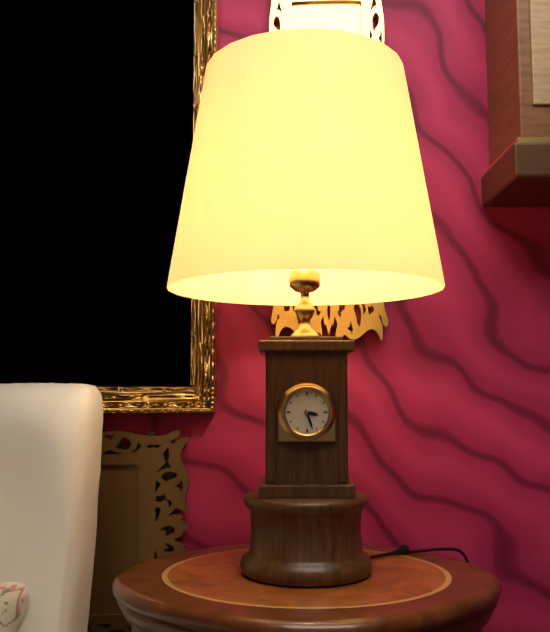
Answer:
h=3 m=27
